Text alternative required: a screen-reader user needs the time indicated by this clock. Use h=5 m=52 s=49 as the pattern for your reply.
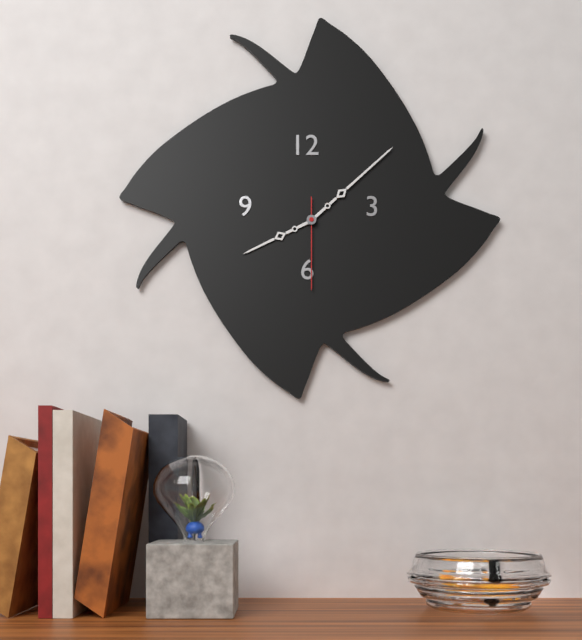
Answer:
h=8 m=8 s=30
